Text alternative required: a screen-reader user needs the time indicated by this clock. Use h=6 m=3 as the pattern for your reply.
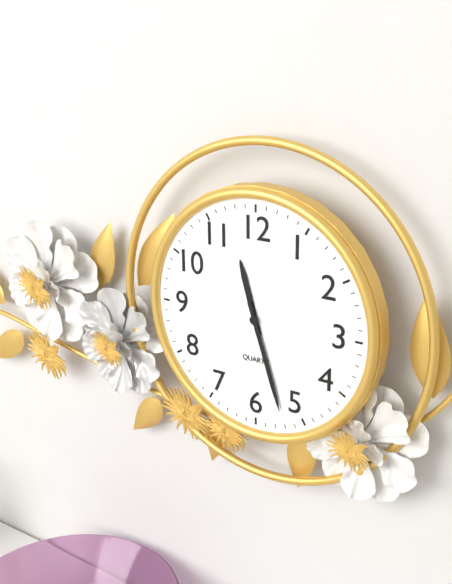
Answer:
h=11 m=27
